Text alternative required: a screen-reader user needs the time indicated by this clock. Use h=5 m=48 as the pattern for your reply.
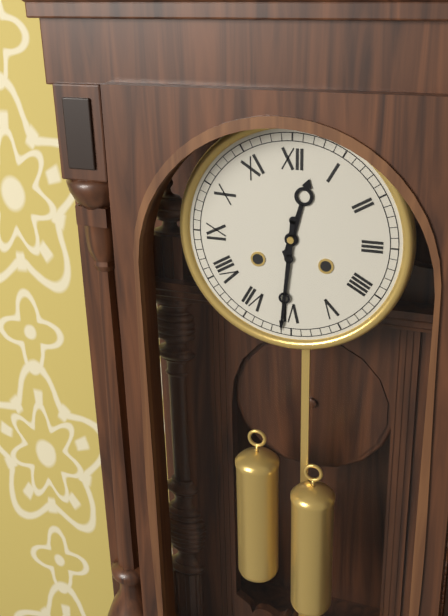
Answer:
h=12 m=31
